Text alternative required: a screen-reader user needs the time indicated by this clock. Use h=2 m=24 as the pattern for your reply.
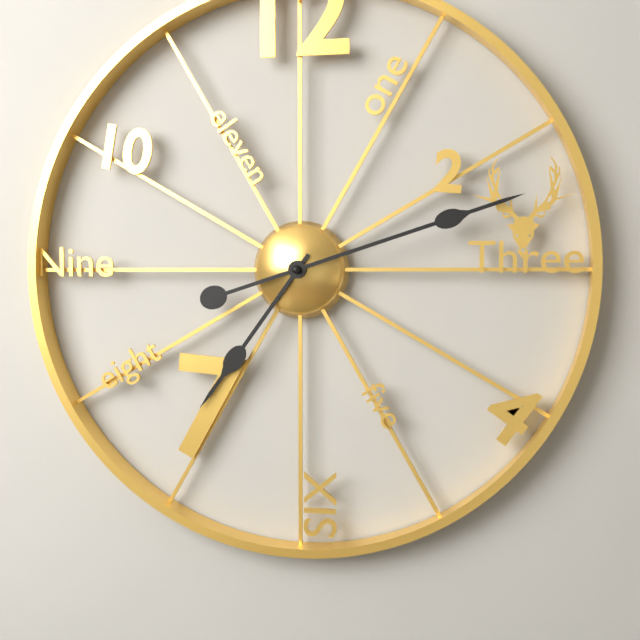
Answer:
h=7 m=12
